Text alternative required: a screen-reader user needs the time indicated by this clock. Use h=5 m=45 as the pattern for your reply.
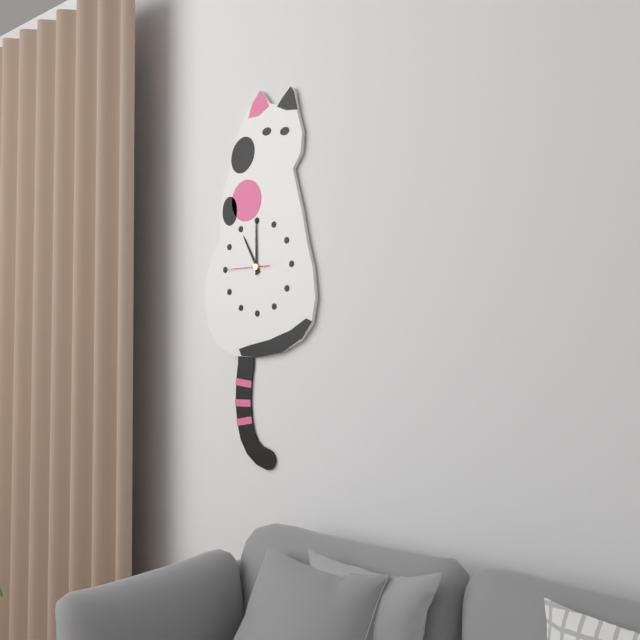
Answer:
h=11 m=0
